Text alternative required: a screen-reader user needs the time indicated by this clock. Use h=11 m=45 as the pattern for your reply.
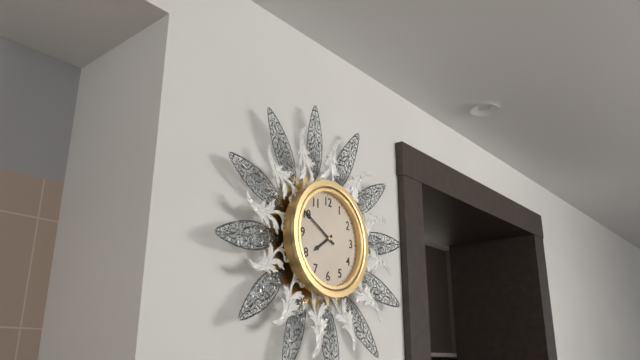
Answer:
h=7 m=50
